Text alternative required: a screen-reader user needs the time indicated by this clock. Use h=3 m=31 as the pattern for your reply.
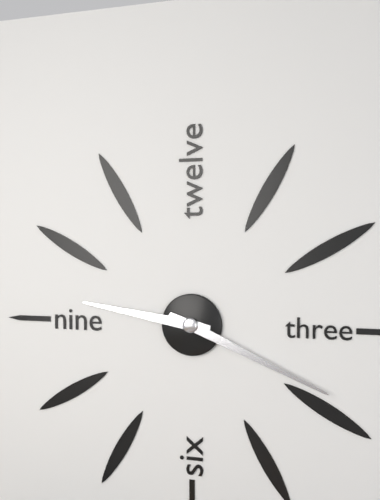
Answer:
h=9 m=19
